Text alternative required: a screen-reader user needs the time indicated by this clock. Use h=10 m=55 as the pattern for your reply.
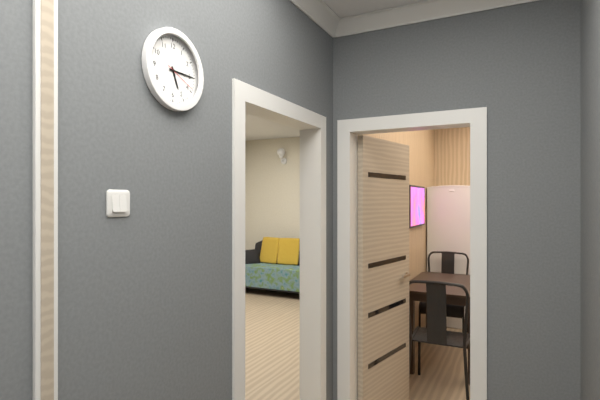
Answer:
h=5 m=15
